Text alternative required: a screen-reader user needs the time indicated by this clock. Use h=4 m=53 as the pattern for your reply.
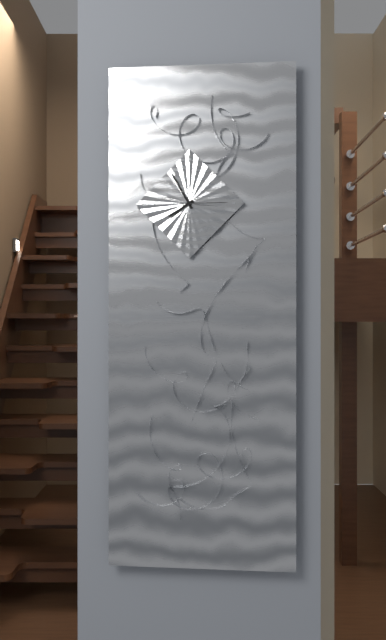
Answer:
h=7 m=55
